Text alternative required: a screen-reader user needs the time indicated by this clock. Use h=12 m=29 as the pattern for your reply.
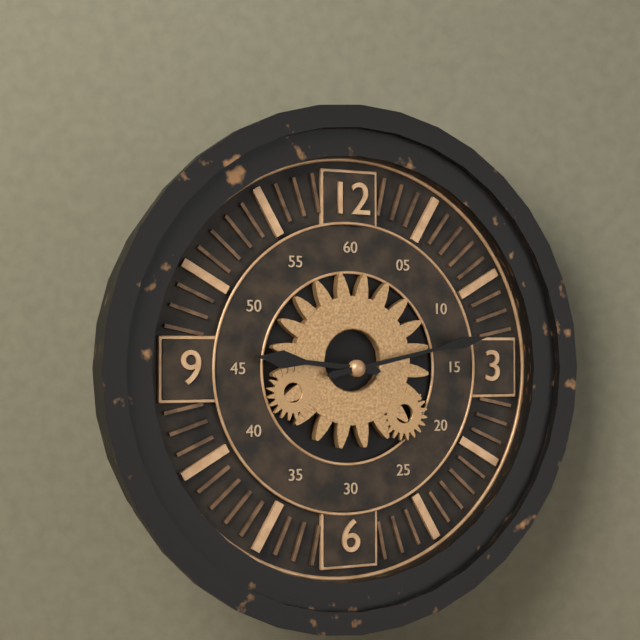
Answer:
h=9 m=13
